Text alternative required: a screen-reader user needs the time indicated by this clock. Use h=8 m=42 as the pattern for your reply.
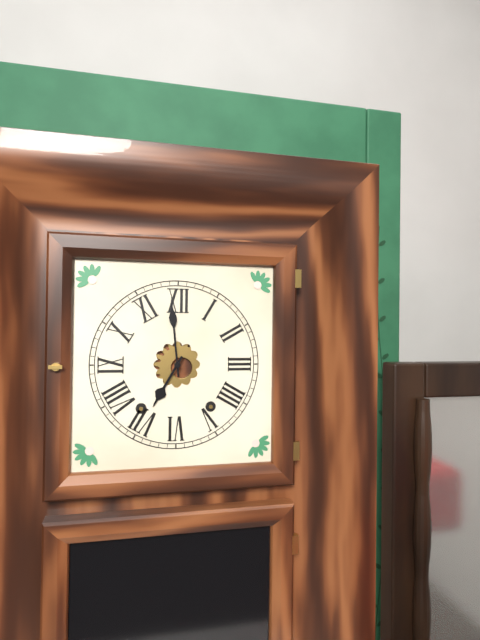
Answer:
h=6 m=59
